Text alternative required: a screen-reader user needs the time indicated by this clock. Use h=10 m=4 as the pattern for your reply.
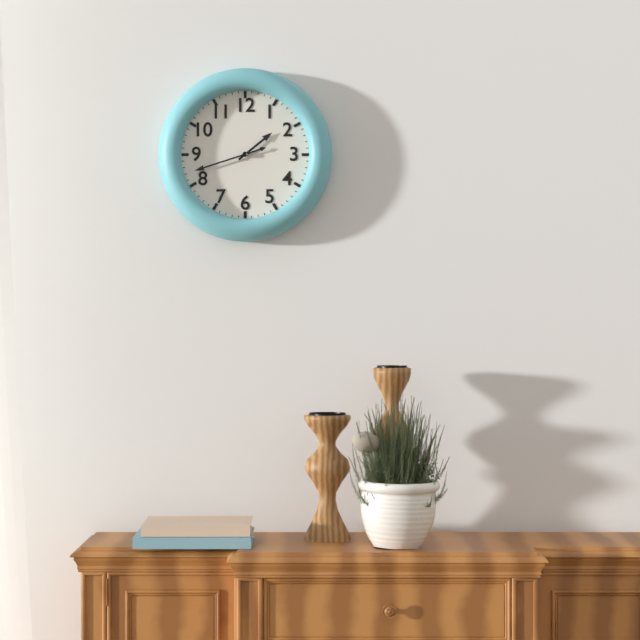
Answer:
h=1 m=42
